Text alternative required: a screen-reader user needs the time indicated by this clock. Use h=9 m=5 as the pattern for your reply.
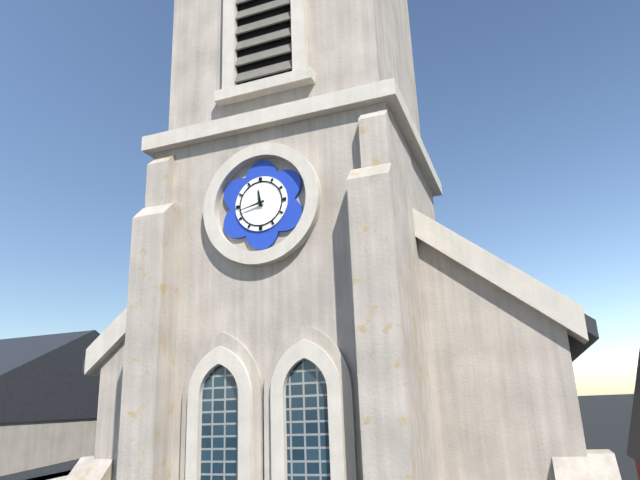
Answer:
h=11 m=43
